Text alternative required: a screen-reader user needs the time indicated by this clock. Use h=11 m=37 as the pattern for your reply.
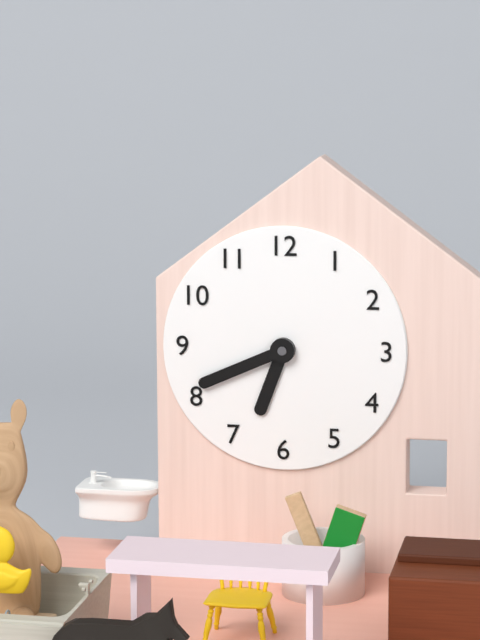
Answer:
h=6 m=41
